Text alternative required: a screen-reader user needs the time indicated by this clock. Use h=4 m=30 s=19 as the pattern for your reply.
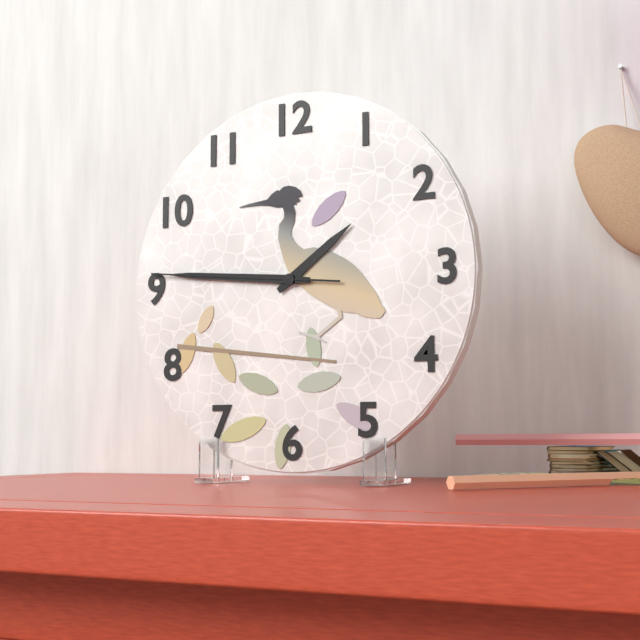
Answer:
h=1 m=46 s=46
